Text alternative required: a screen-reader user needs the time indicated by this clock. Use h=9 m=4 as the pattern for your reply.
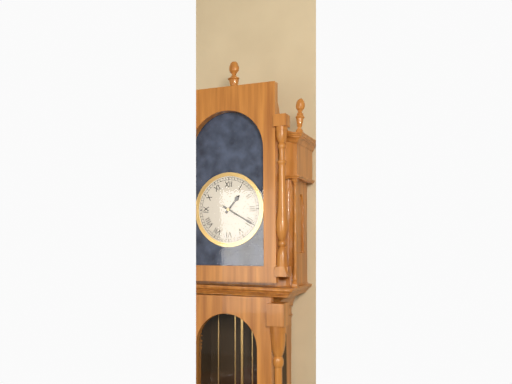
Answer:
h=1 m=20
